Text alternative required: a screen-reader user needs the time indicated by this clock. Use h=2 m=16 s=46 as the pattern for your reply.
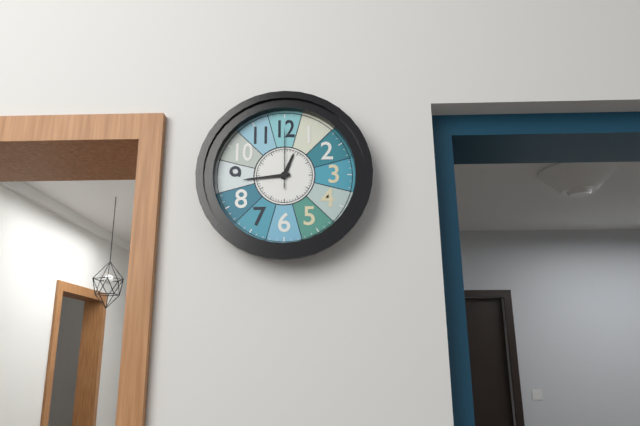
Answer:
h=12 m=44 s=0
